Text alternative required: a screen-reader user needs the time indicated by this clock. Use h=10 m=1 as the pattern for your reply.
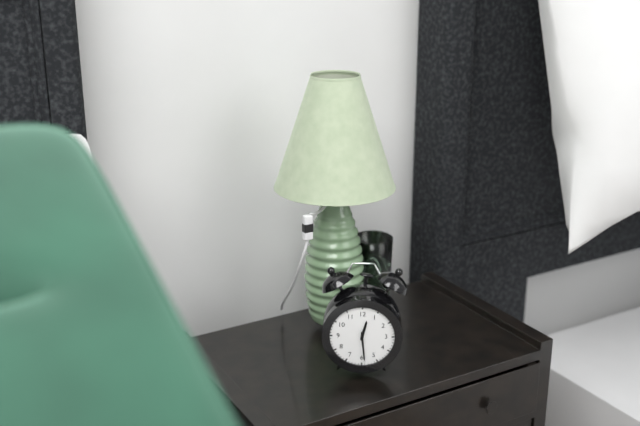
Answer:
h=12 m=29
